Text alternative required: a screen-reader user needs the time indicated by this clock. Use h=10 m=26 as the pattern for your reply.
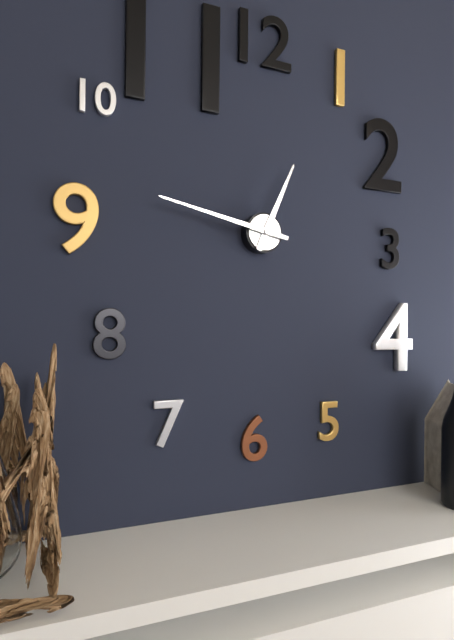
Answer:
h=12 m=47
